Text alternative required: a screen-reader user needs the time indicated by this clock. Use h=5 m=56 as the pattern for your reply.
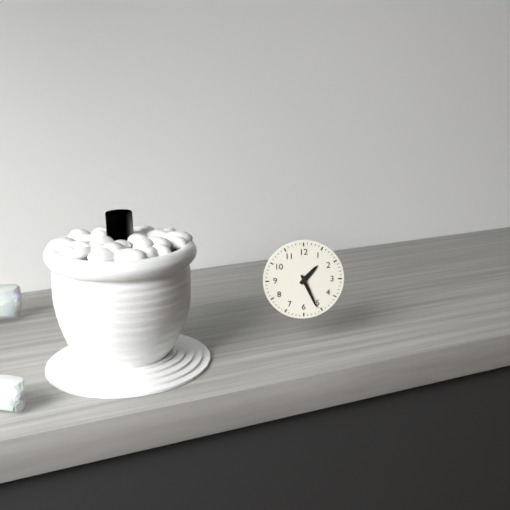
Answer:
h=1 m=26
